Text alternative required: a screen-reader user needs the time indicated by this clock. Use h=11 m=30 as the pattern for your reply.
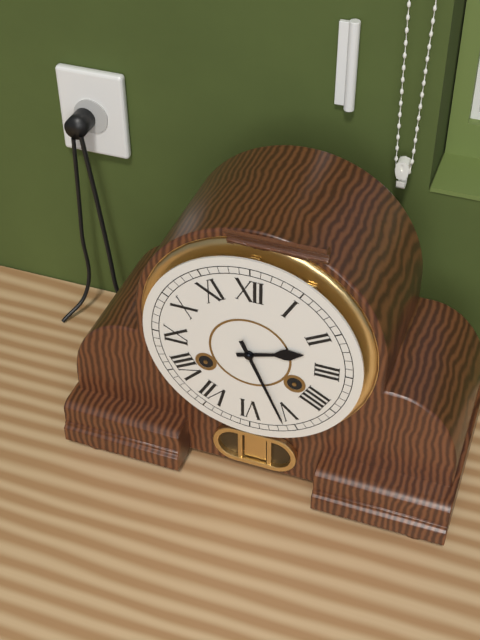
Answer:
h=2 m=26
